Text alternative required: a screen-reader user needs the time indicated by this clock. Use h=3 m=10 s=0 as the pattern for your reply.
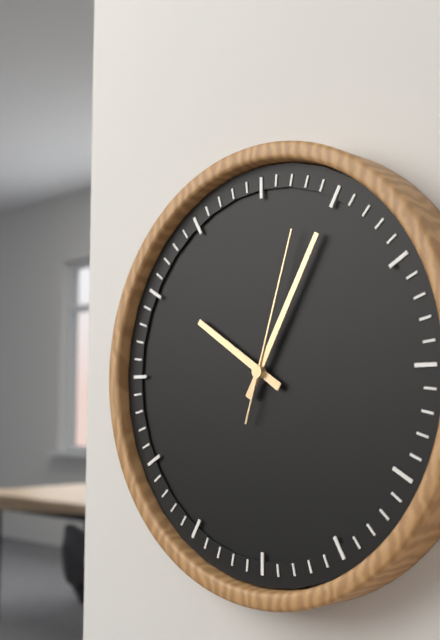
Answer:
h=10 m=5 s=3
